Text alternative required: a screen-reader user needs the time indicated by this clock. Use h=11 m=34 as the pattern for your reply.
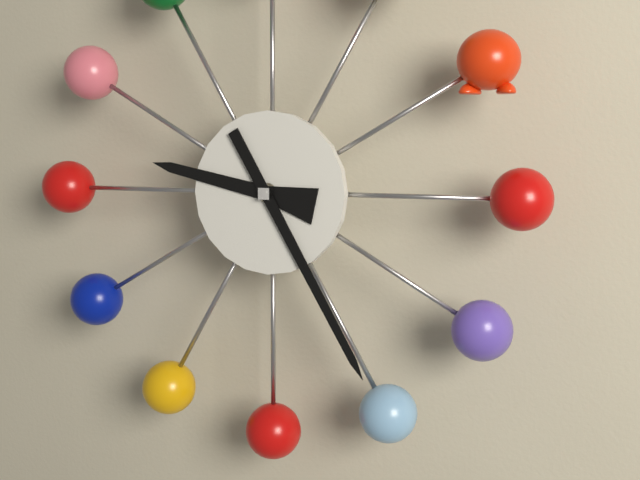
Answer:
h=9 m=25
